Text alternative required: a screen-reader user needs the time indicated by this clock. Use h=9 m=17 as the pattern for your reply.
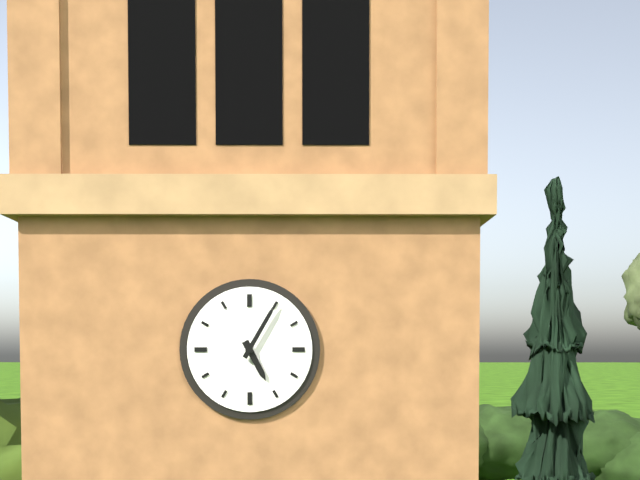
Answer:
h=5 m=5
